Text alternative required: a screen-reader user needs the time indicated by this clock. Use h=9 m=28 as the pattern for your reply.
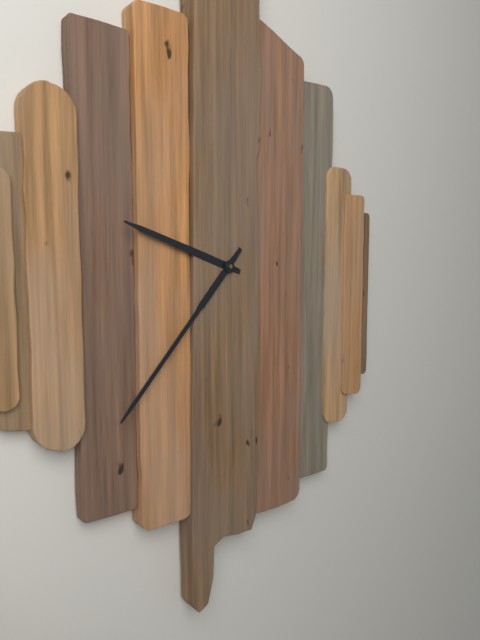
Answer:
h=9 m=37
